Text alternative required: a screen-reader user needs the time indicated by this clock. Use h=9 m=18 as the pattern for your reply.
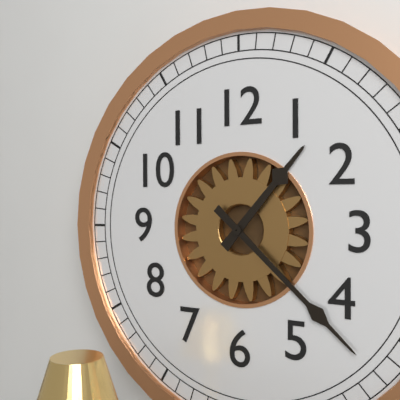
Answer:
h=1 m=22
